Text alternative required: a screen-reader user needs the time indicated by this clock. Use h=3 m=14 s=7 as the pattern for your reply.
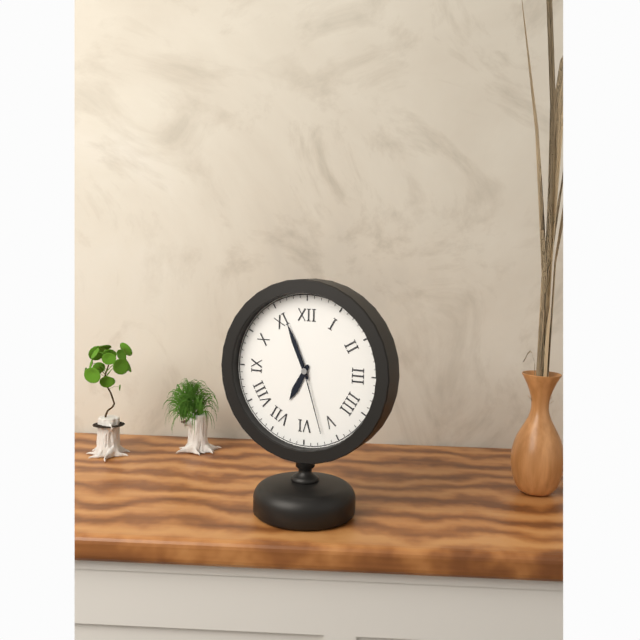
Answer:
h=6 m=56 s=27
